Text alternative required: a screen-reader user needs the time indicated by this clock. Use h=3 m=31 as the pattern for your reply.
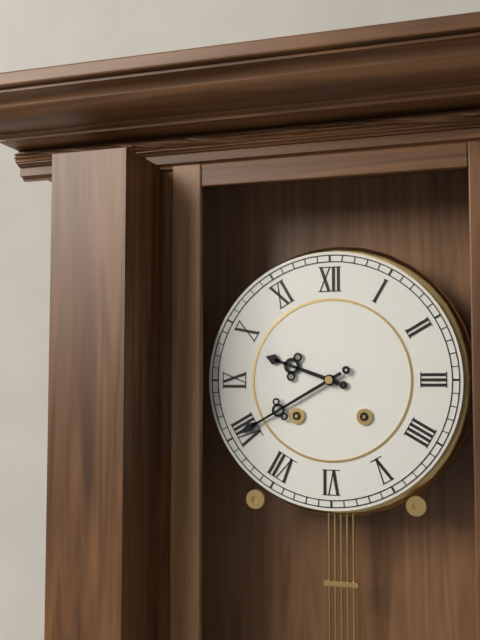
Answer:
h=9 m=40
